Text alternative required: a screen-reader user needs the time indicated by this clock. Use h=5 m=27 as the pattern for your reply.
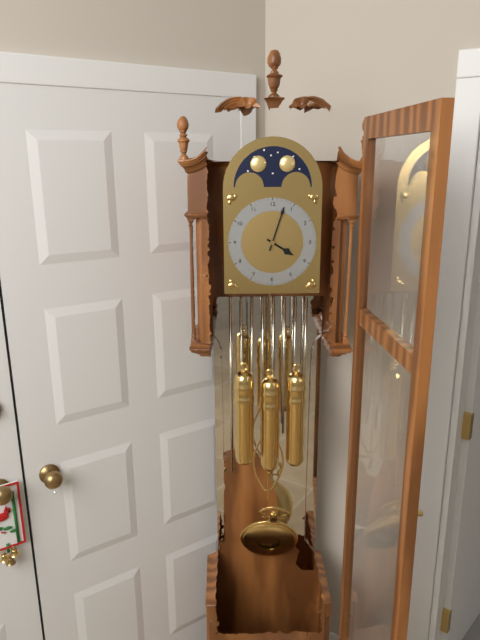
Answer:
h=4 m=3
